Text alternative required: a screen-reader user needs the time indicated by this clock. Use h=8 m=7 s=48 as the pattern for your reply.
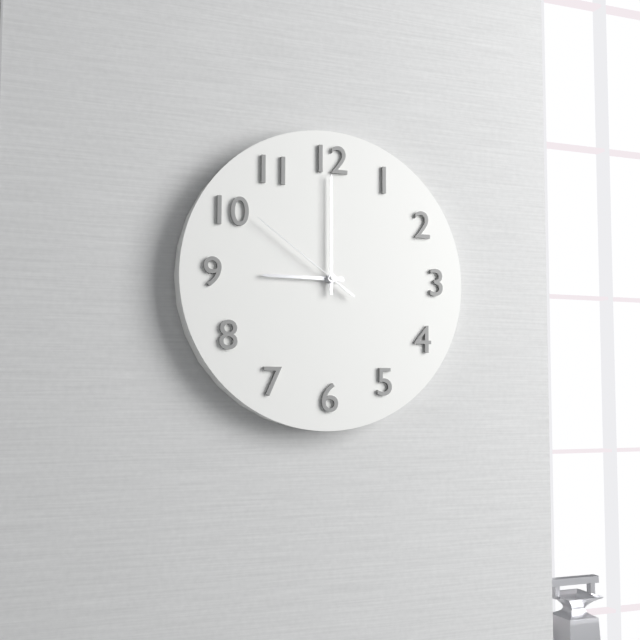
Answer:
h=9 m=0 s=51
